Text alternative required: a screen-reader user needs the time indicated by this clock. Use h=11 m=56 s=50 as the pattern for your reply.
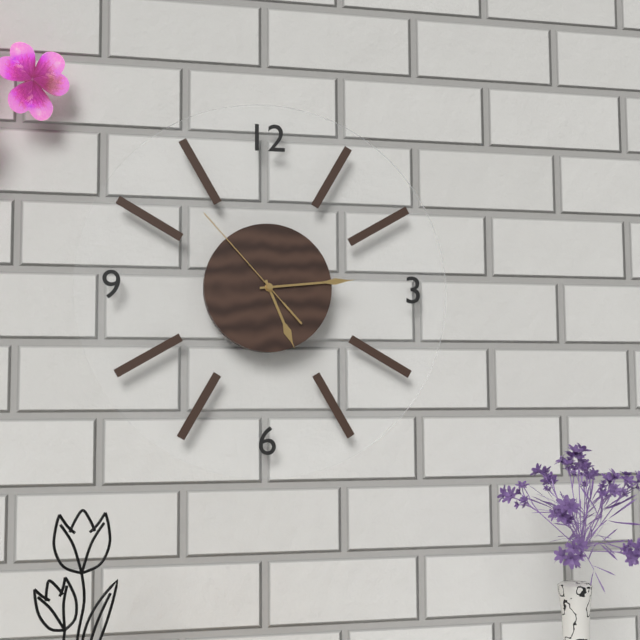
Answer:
h=5 m=14 s=53
